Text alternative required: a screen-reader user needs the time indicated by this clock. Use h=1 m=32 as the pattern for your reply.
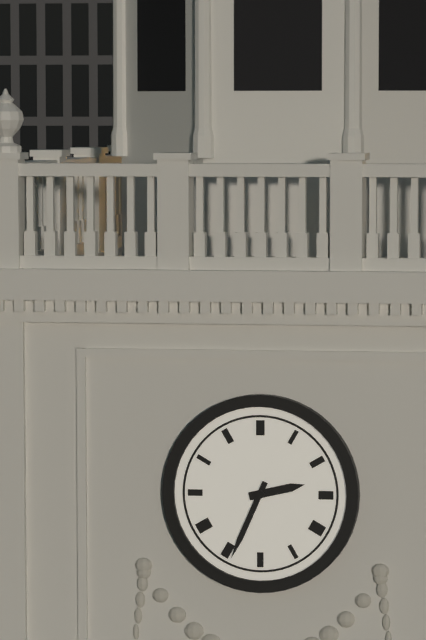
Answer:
h=2 m=34
